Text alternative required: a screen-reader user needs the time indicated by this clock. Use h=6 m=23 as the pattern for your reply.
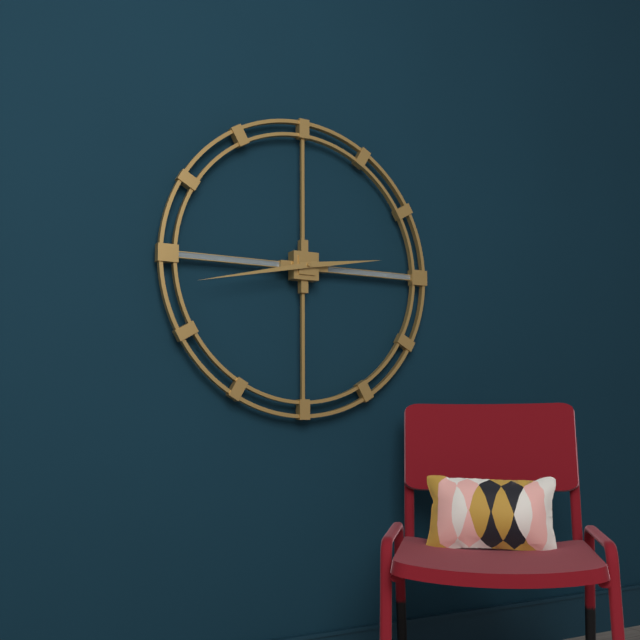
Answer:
h=2 m=43
